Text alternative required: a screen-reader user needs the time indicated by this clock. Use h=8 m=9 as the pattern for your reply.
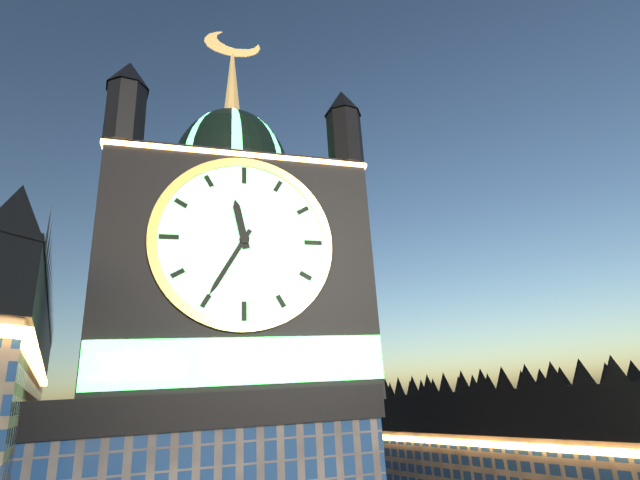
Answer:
h=11 m=35
